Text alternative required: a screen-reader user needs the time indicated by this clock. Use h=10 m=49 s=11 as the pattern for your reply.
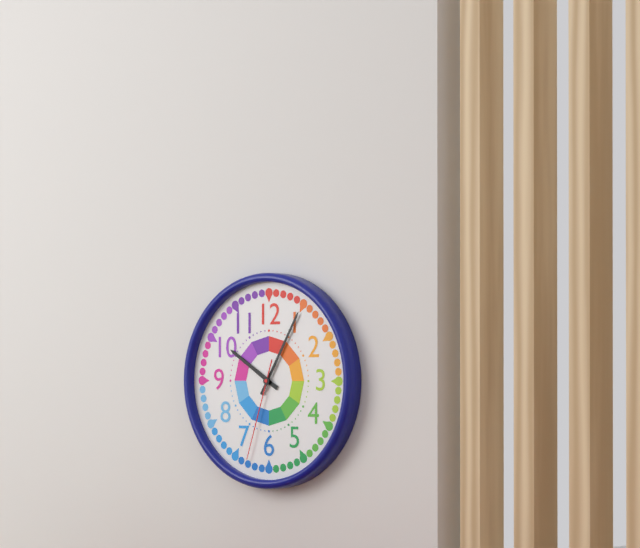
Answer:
h=10 m=5 s=33
